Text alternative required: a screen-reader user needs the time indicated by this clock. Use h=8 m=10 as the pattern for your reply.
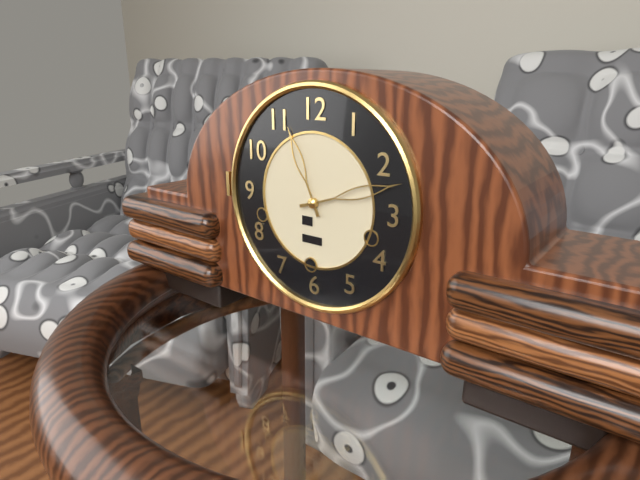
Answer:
h=11 m=12
